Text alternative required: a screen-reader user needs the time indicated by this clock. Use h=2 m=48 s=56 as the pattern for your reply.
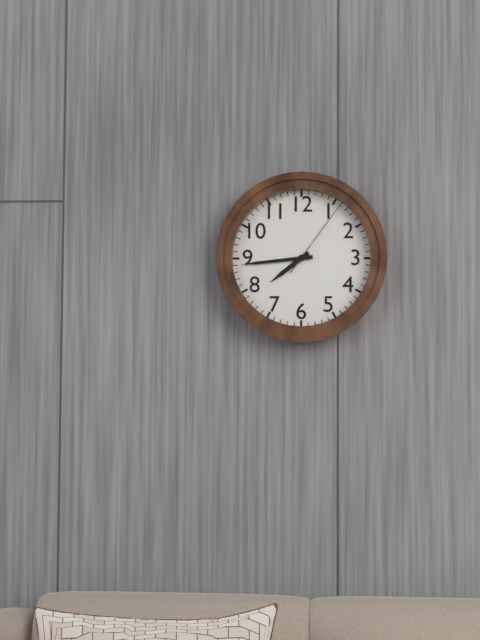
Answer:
h=7 m=44 s=6
